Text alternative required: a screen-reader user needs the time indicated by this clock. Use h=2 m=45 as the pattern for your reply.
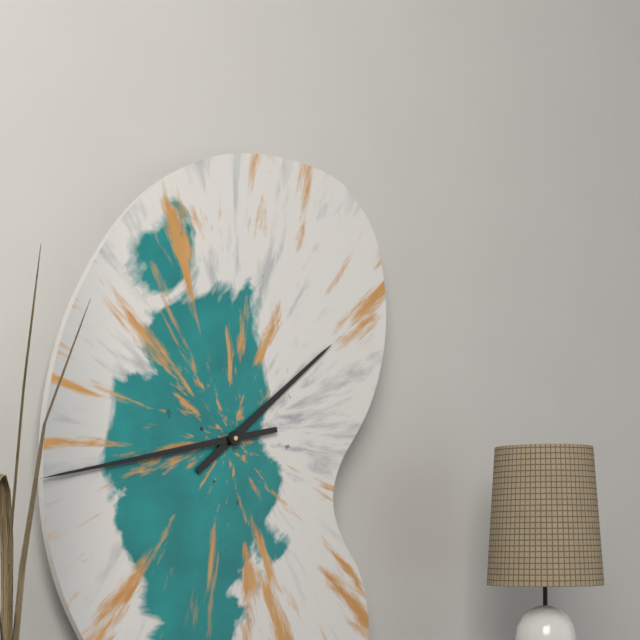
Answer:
h=1 m=43
